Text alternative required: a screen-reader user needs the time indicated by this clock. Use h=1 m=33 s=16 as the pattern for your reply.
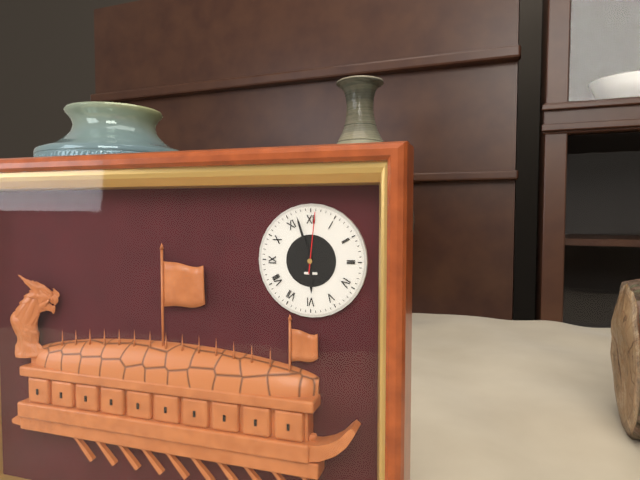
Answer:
h=5 m=57 s=1
